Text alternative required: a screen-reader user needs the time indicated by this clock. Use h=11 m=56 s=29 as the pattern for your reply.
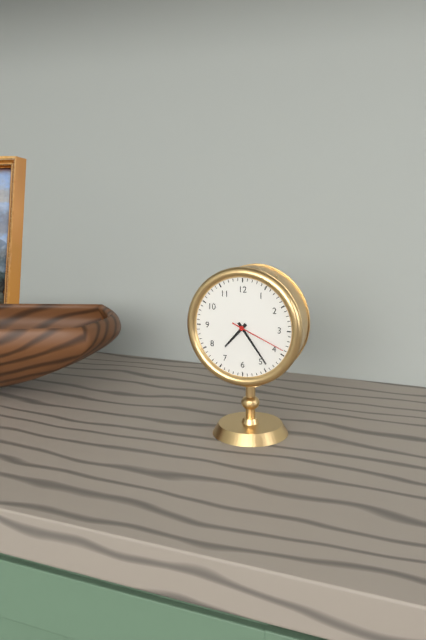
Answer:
h=7 m=24 s=19
